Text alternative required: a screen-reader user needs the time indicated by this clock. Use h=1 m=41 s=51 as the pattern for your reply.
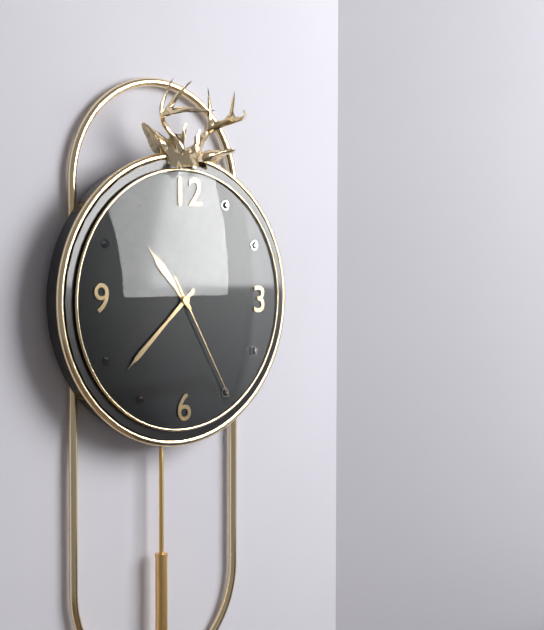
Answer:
h=10 m=38 s=25
